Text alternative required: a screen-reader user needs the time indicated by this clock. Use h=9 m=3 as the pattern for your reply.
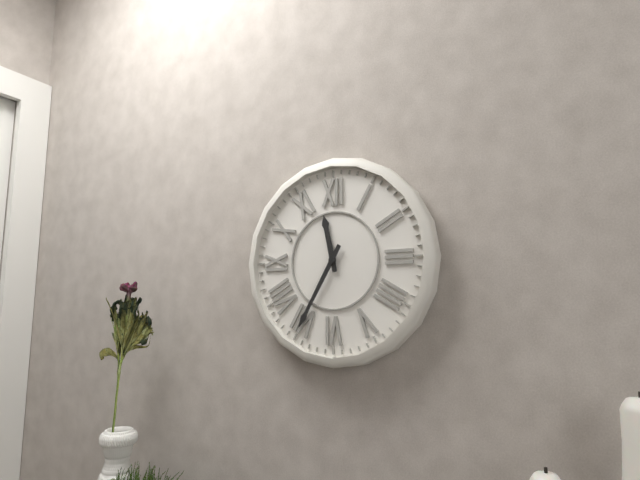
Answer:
h=11 m=35
